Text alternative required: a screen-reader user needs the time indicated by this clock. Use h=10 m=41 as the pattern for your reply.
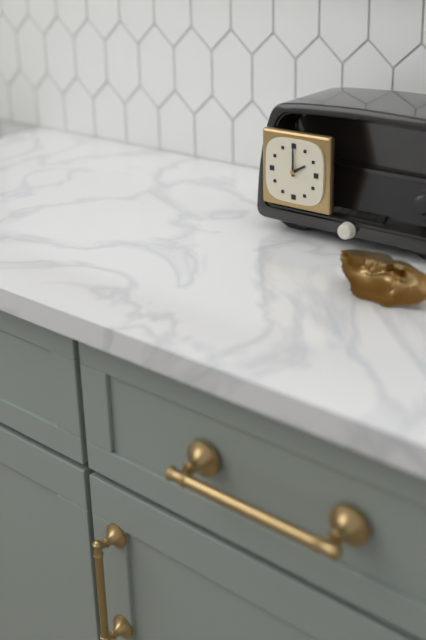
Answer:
h=2 m=0
